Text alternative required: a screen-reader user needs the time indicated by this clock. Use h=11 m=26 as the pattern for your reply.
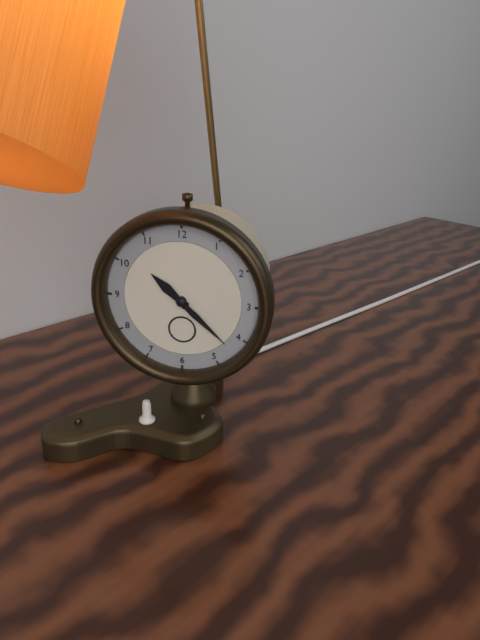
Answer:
h=10 m=22
